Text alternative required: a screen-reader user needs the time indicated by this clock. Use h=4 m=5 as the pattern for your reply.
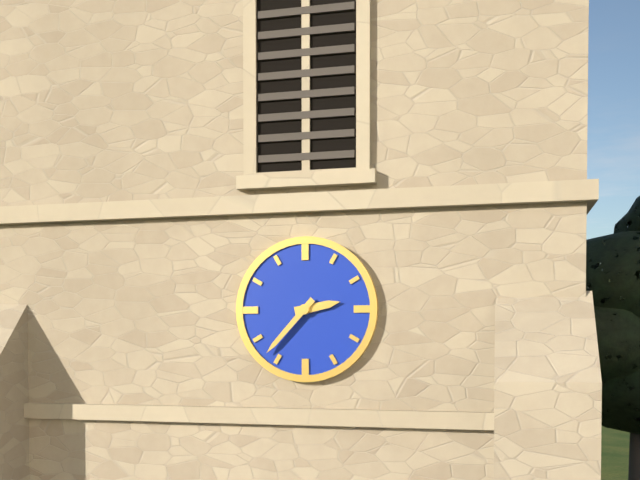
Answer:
h=2 m=37
